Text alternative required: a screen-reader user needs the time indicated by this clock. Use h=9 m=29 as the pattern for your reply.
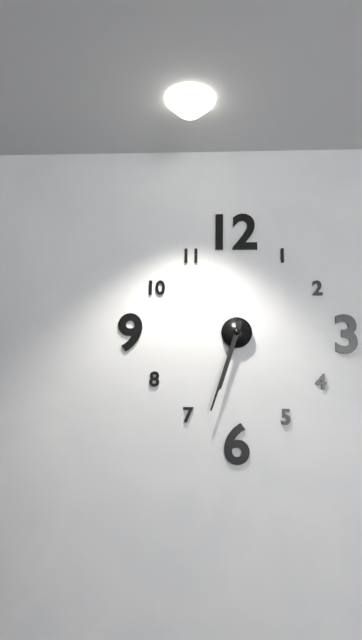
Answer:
h=6 m=33
